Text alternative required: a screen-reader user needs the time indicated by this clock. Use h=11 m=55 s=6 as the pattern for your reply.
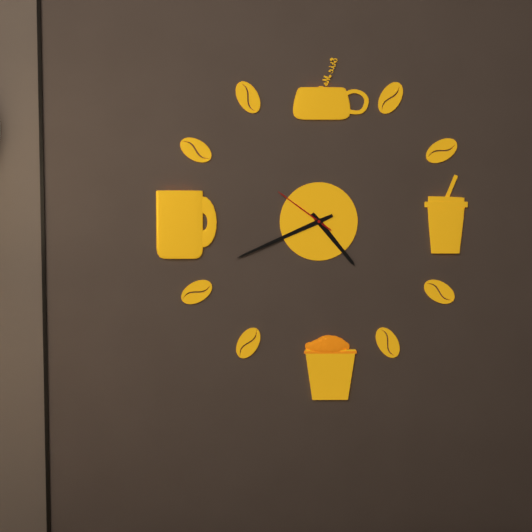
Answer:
h=4 m=41 s=51
